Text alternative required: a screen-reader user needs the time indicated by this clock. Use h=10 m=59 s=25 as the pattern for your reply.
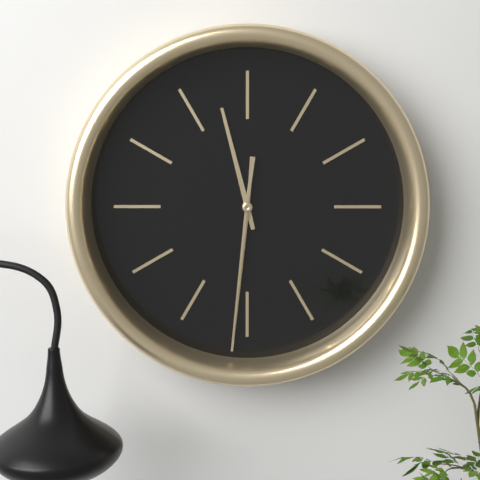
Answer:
h=11 m=31 s=31
